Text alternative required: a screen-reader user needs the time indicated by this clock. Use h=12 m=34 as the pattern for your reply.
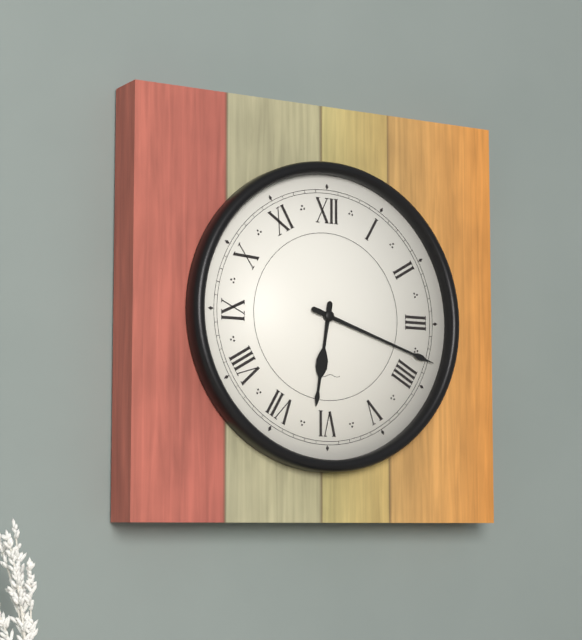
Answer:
h=6 m=18
